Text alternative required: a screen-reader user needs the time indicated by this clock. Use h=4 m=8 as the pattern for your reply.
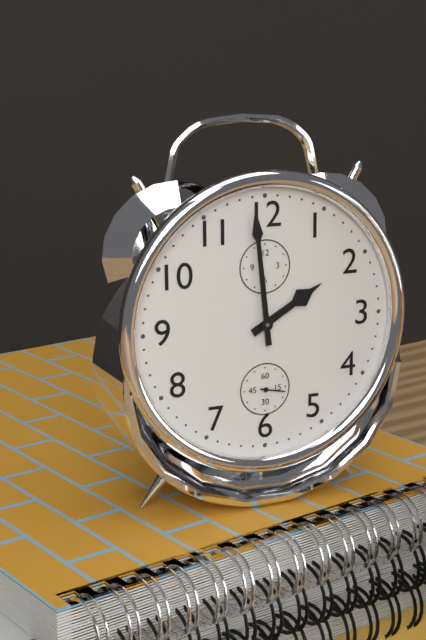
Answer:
h=1 m=59
